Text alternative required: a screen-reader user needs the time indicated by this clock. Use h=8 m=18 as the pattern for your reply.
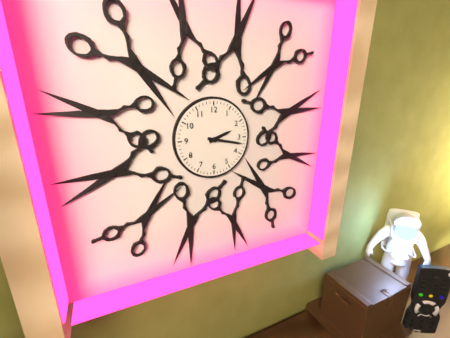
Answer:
h=2 m=17
